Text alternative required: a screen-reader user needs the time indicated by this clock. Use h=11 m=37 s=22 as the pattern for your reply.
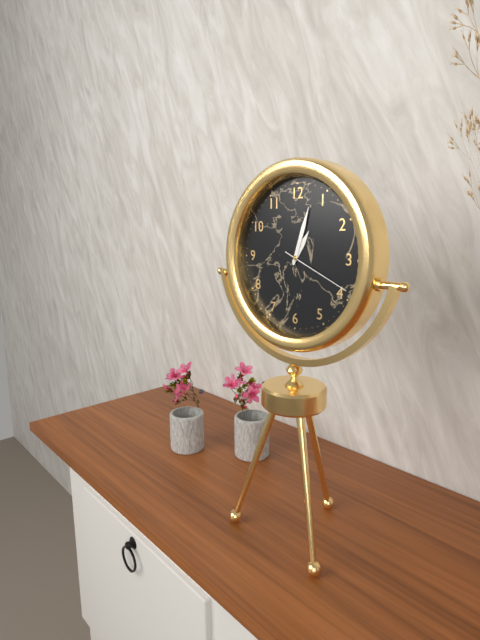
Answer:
h=1 m=3 s=19
